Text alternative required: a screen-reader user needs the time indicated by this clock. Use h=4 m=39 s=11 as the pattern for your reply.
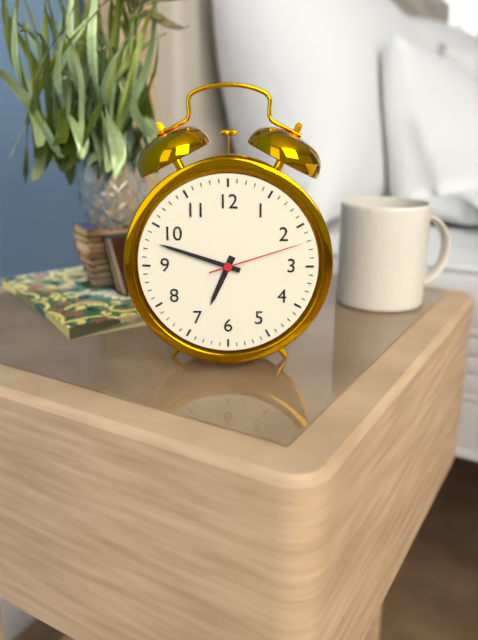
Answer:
h=6 m=48 s=12
